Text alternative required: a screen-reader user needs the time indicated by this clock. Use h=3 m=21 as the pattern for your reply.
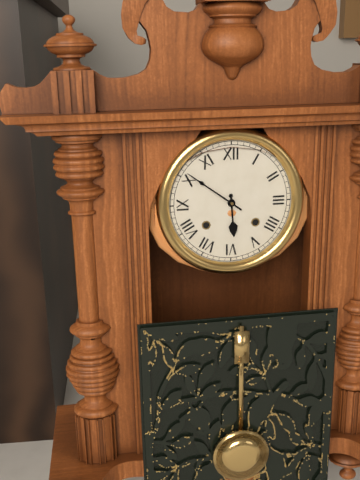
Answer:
h=5 m=51
